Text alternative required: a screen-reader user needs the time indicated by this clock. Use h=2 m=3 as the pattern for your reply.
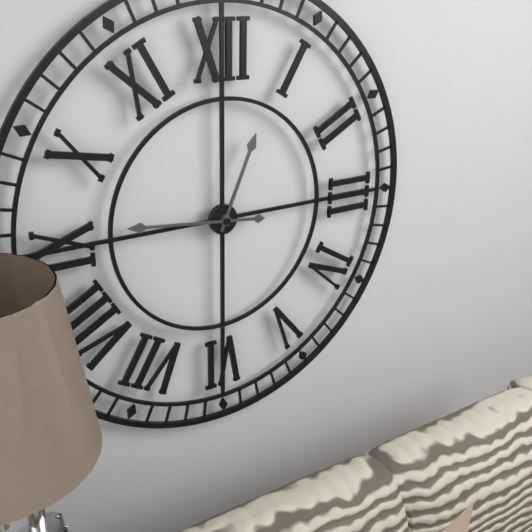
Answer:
h=12 m=46
